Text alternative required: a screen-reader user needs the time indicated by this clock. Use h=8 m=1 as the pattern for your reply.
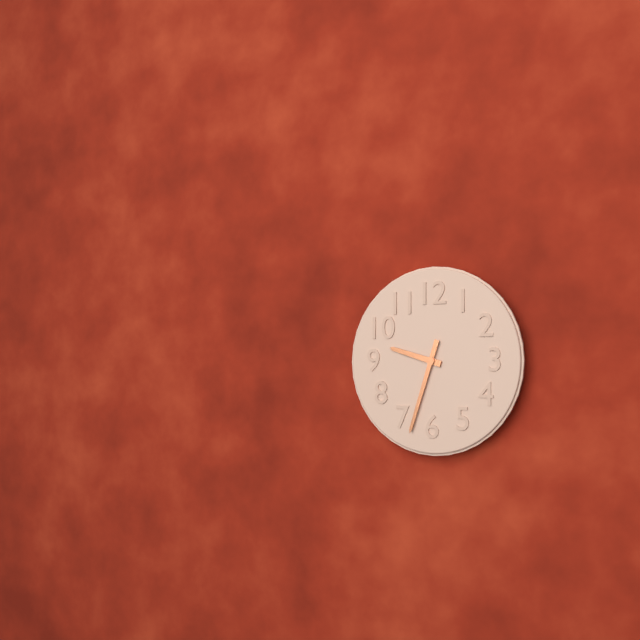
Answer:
h=9 m=33
